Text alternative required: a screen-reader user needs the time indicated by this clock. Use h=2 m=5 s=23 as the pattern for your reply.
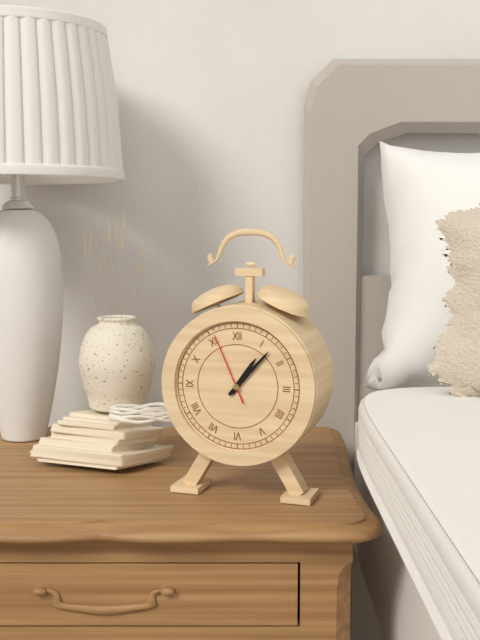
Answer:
h=1 m=7 s=56
